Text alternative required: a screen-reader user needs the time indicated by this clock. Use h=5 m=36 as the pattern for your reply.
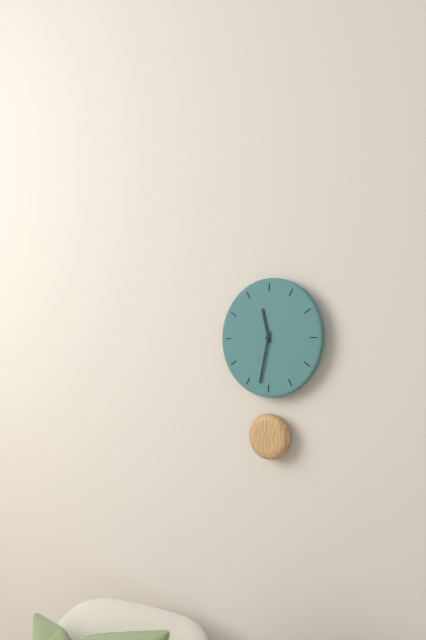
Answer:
h=11 m=32
